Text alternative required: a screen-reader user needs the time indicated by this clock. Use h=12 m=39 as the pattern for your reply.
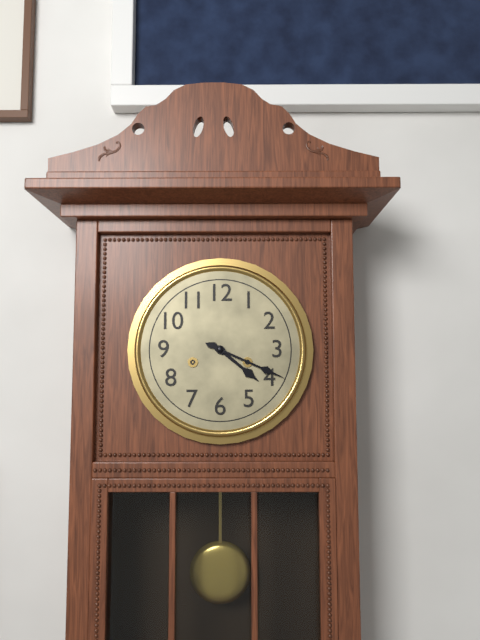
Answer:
h=4 m=19
